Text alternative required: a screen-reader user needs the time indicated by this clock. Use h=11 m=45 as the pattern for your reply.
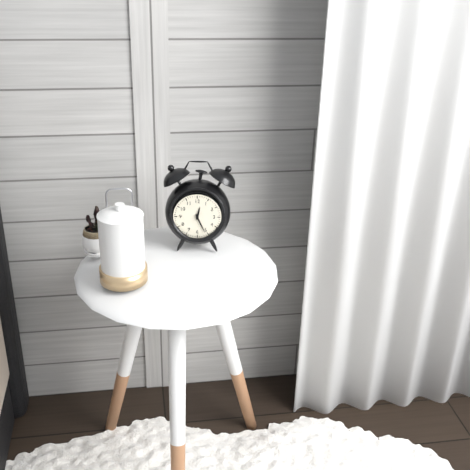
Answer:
h=12 m=26
